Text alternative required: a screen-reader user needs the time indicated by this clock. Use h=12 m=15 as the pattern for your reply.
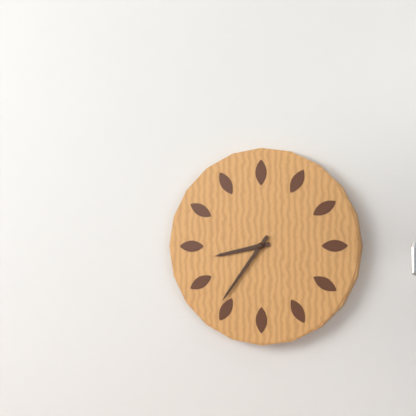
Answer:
h=8 m=36
